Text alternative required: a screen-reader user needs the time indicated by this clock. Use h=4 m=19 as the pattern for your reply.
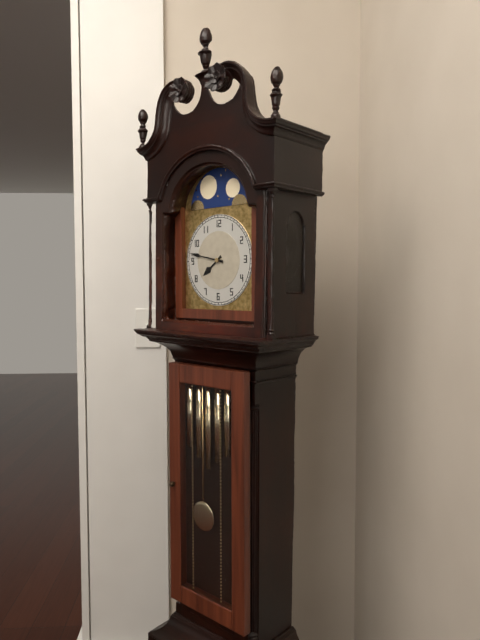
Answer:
h=7 m=47
